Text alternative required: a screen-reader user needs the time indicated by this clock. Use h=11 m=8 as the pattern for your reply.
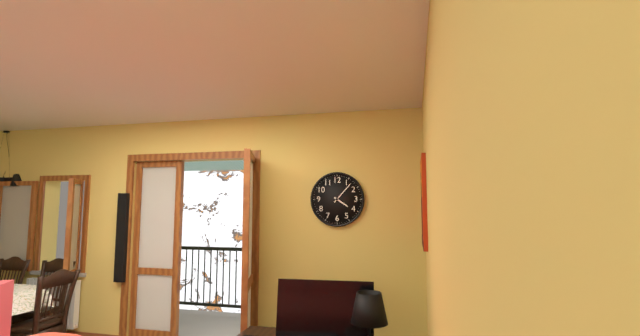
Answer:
h=4 m=7
